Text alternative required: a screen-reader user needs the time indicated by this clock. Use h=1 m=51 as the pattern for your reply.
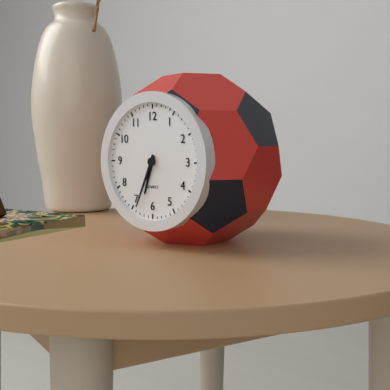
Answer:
h=6 m=34
